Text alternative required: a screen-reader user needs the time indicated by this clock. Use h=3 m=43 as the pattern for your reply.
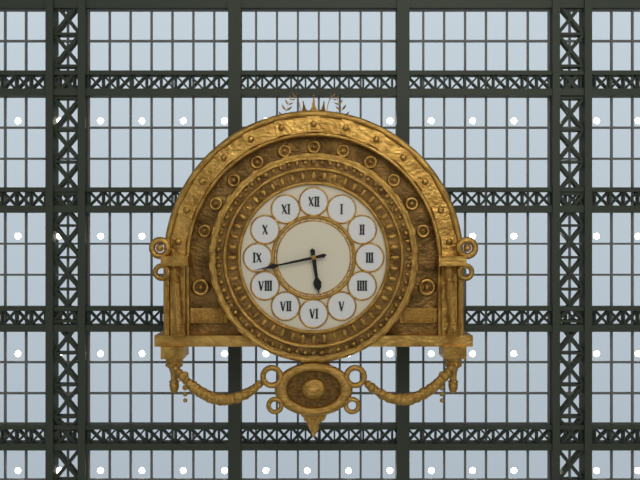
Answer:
h=5 m=43
